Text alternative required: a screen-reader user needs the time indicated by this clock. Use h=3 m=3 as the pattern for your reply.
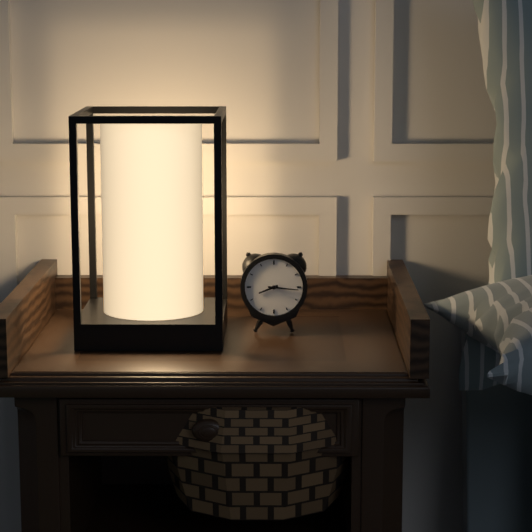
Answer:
h=8 m=16
